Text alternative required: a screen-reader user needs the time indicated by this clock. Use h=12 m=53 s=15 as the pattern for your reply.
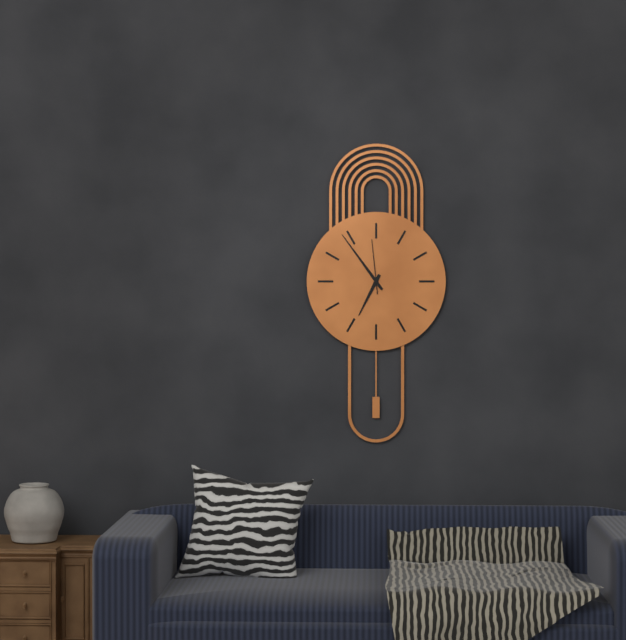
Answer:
h=6 m=54 s=59
